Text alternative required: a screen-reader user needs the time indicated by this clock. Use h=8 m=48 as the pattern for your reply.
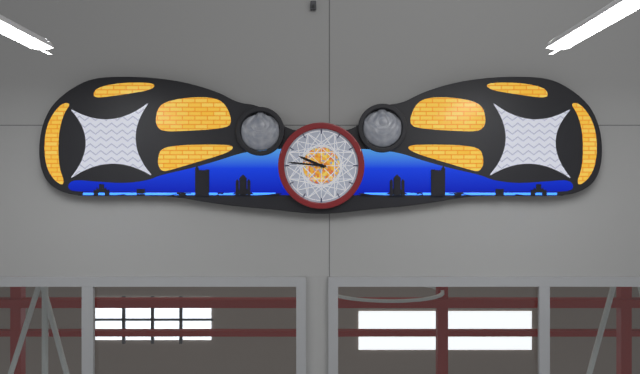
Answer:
h=9 m=46
